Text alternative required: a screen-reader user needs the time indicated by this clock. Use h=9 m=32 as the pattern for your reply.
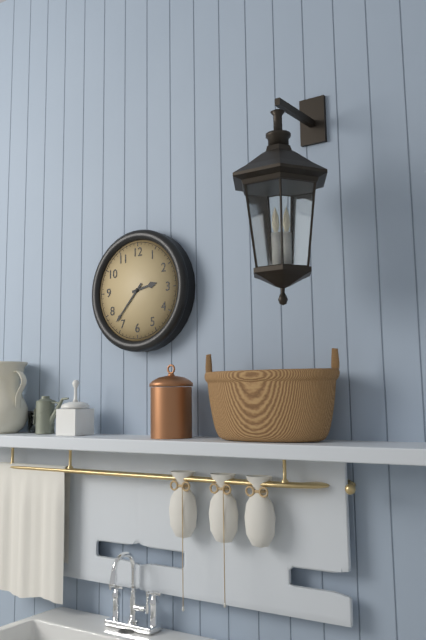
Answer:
h=2 m=37
